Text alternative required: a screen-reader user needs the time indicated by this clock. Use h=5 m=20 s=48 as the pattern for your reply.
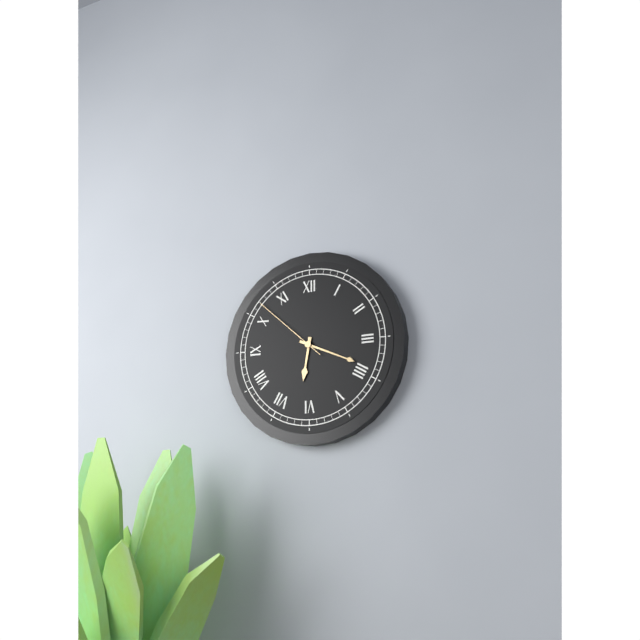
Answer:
h=6 m=19 s=52
